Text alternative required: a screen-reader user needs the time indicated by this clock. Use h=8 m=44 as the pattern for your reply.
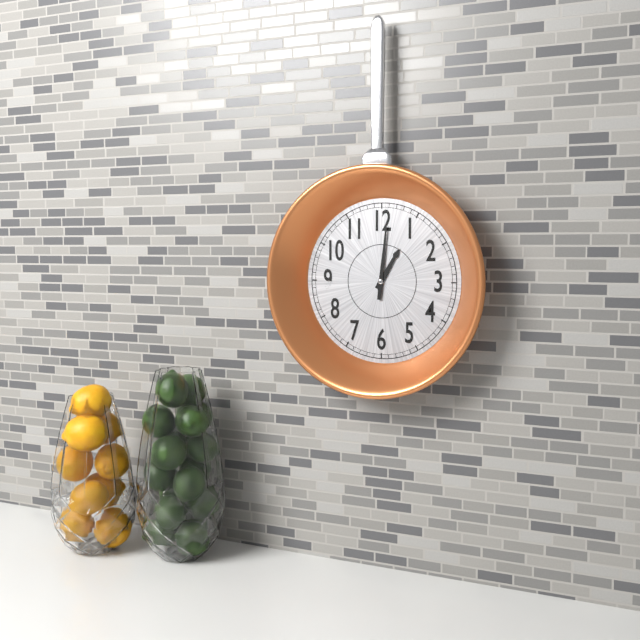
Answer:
h=1 m=1
